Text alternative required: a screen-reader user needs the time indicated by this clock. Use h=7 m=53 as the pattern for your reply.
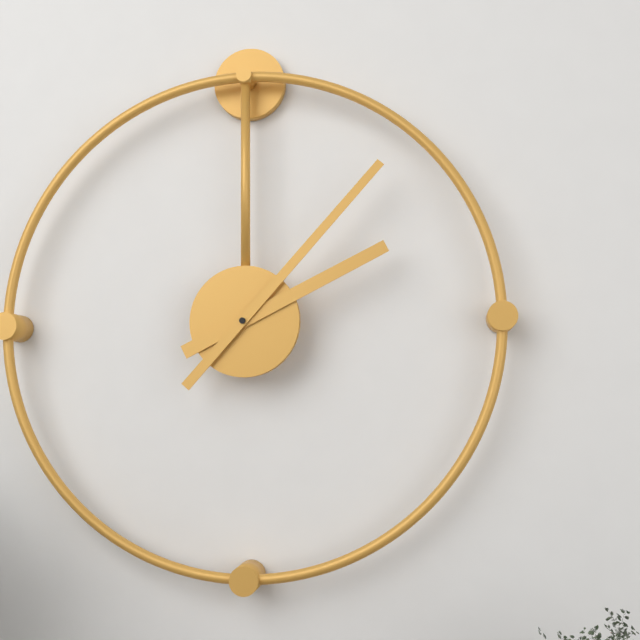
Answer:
h=2 m=7
